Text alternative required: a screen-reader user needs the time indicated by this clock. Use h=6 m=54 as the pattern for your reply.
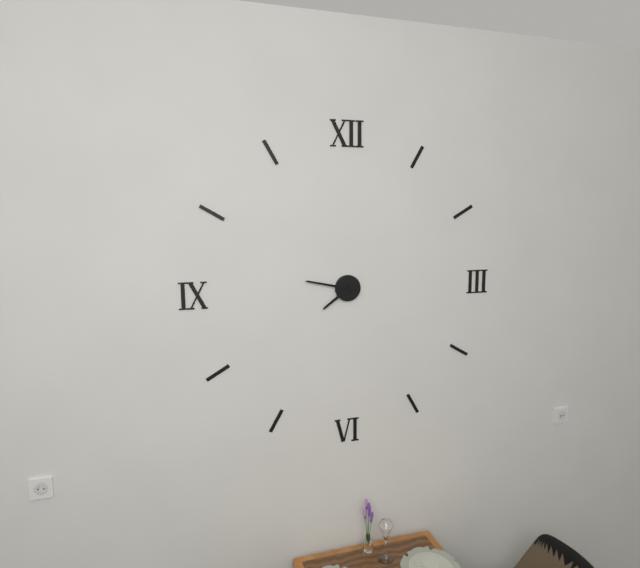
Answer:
h=7 m=47
